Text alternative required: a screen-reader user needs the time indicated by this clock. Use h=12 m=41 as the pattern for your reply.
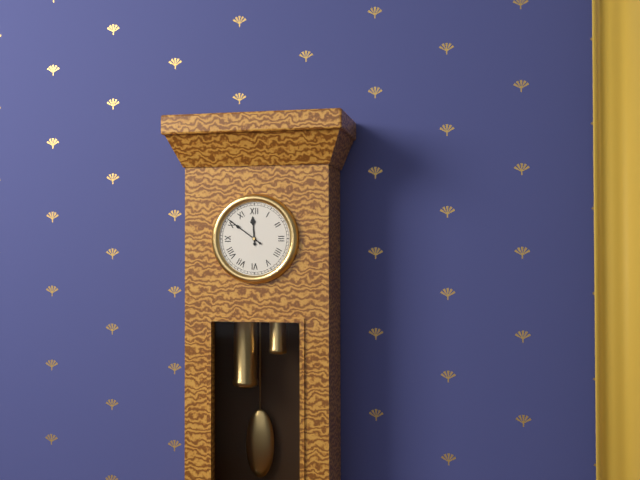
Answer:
h=11 m=51
